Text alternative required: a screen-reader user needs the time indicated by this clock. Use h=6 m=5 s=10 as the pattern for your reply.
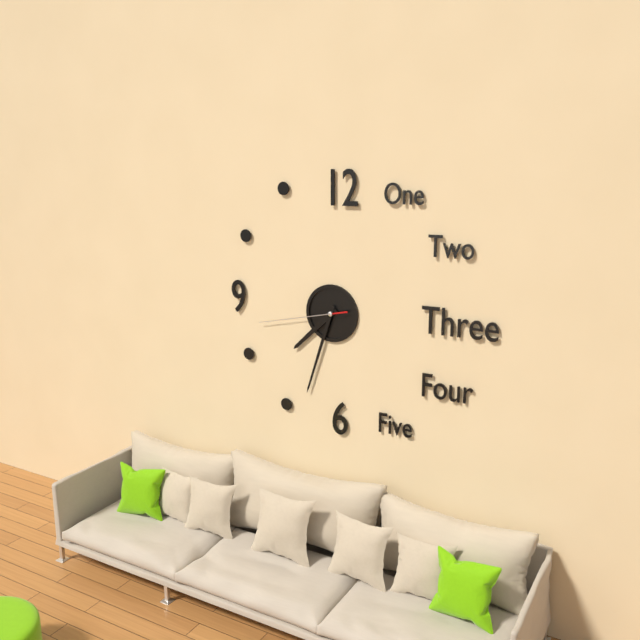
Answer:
h=7 m=33 s=43
